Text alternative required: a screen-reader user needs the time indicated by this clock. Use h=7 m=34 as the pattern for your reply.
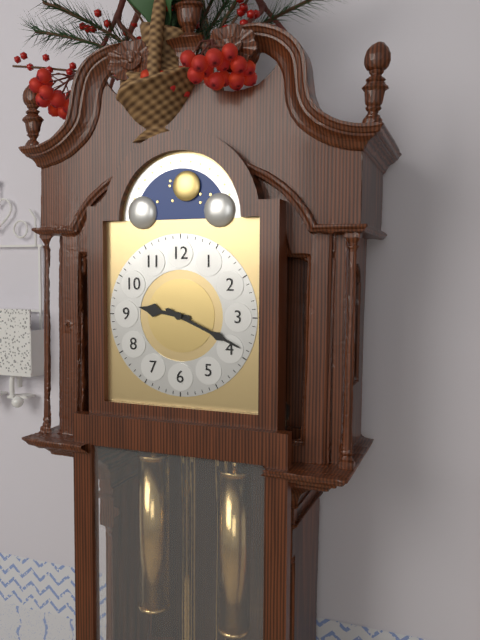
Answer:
h=9 m=19
